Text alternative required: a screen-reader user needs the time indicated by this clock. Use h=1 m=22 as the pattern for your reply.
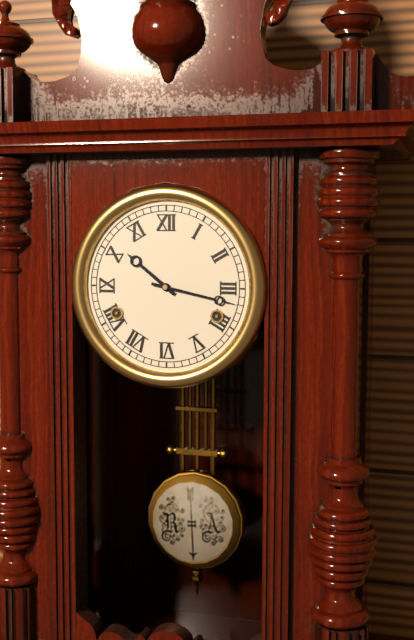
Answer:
h=10 m=17
